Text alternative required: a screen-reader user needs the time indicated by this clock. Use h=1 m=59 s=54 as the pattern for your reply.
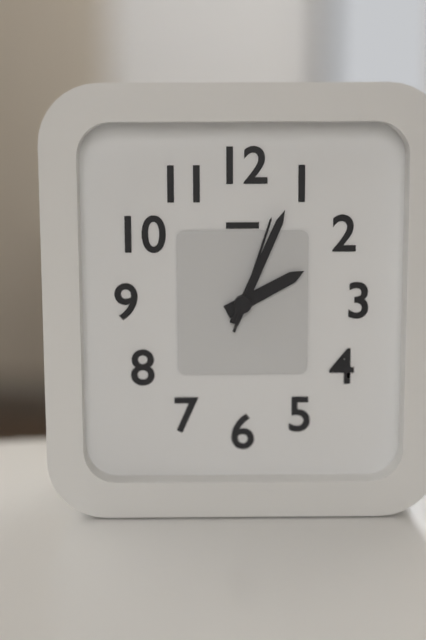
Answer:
h=2 m=4 s=3
